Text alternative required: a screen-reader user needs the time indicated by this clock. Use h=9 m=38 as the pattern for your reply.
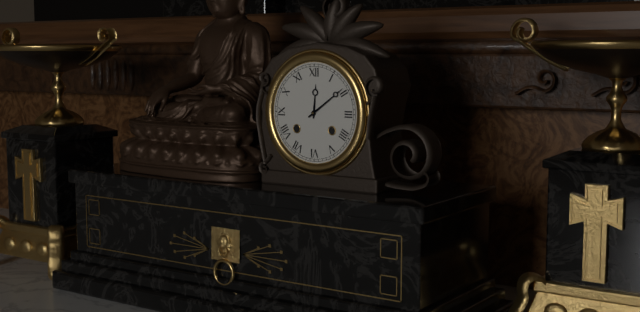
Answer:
h=12 m=9
